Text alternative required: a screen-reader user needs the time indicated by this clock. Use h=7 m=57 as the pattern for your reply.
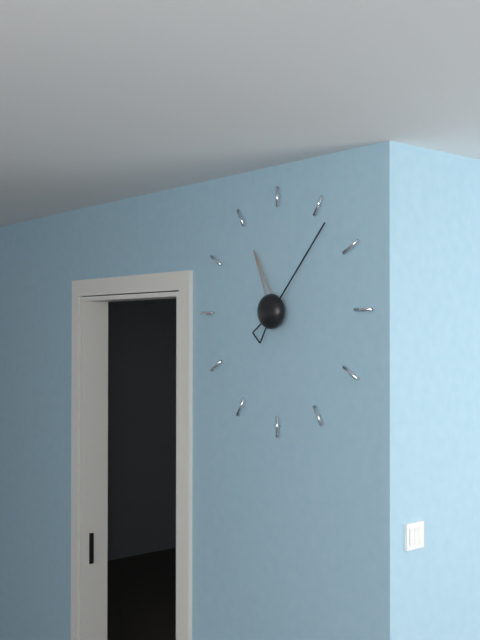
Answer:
h=11 m=7
